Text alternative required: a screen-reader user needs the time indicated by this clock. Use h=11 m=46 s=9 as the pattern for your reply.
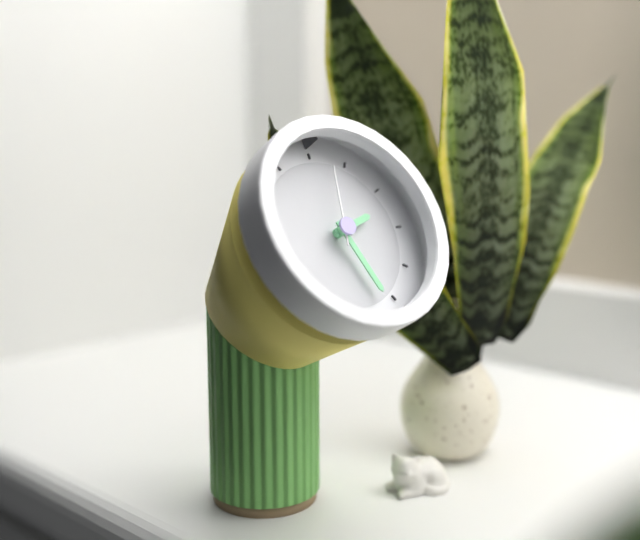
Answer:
h=2 m=27 s=2
